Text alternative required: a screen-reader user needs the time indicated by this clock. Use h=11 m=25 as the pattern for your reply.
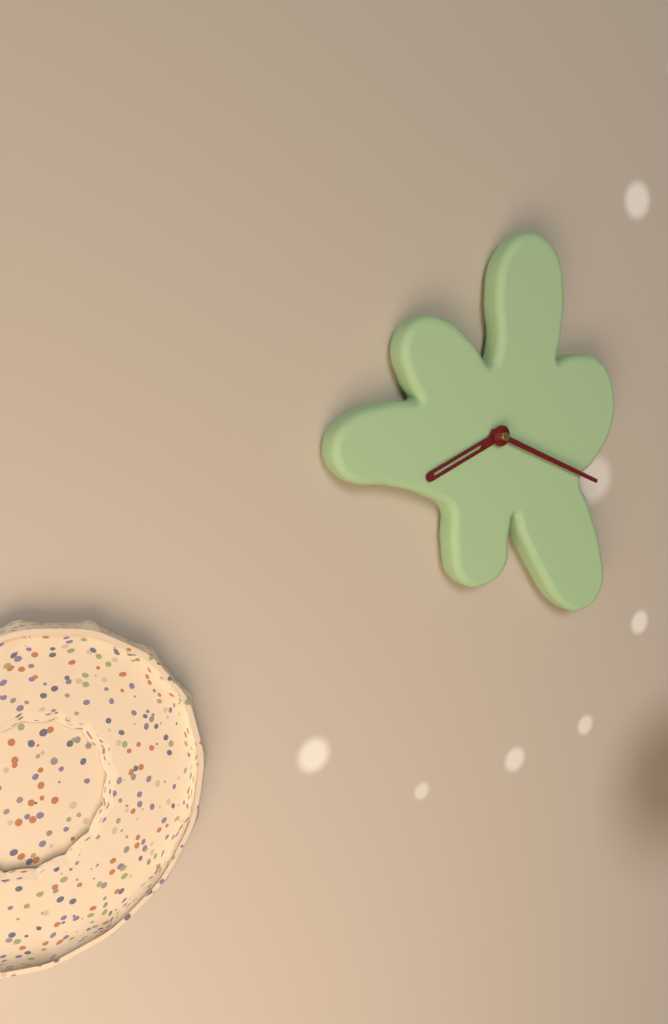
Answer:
h=8 m=19
